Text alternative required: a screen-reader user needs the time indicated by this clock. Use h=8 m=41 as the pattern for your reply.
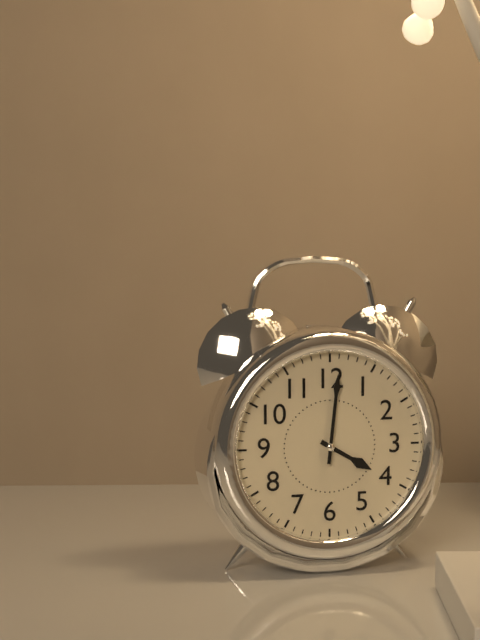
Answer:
h=4 m=1
